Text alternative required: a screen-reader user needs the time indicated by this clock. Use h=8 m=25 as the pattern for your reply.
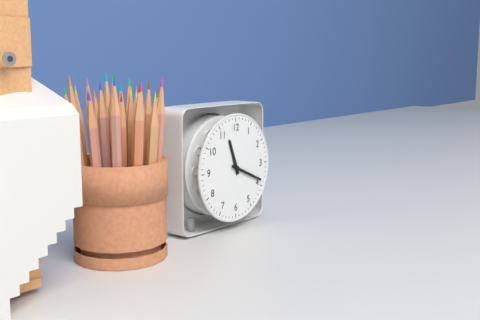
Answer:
h=11 m=19
